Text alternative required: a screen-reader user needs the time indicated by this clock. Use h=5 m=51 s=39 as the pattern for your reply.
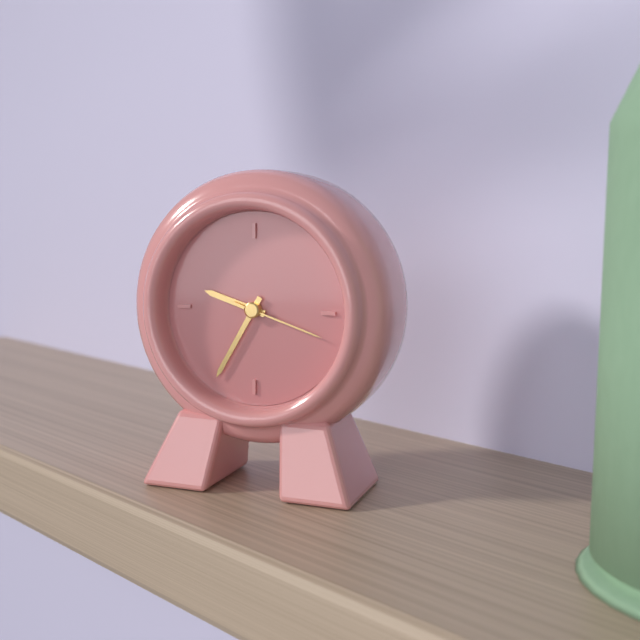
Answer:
h=9 m=35 s=18
